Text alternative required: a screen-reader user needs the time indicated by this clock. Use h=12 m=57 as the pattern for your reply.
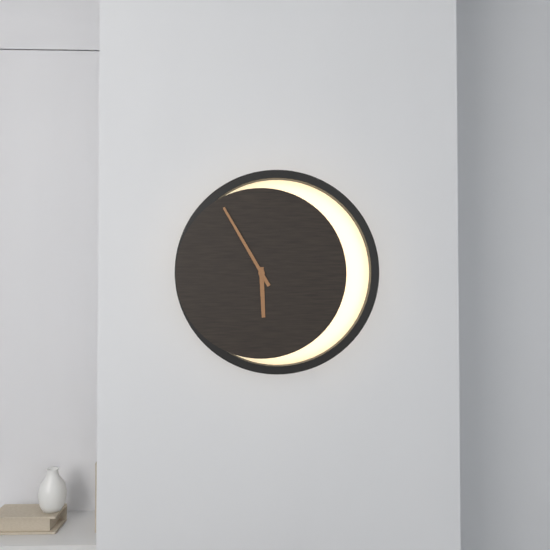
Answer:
h=5 m=55
